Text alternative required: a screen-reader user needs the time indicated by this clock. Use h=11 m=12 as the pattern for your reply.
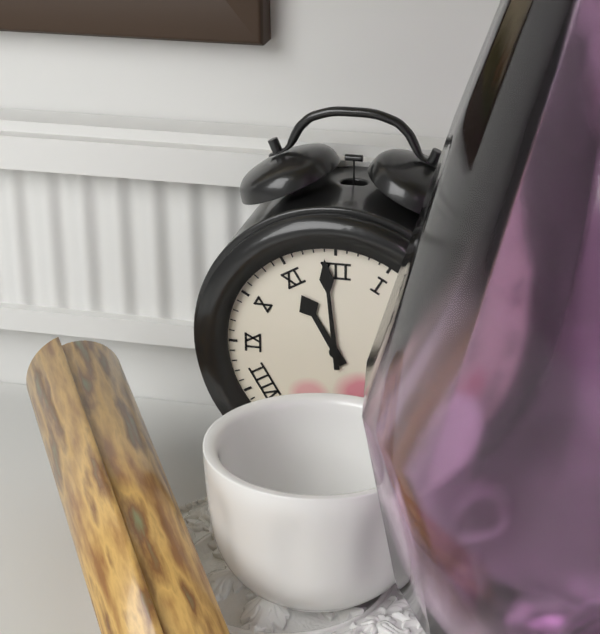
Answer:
h=10 m=59
